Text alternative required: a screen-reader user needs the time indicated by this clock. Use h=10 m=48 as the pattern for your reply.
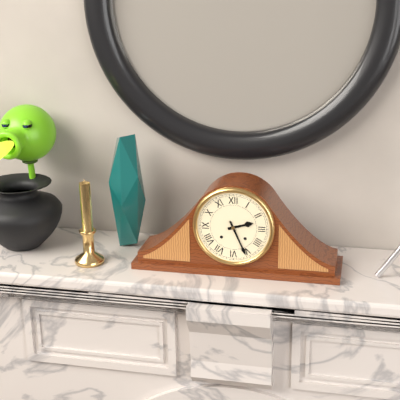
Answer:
h=2 m=26
